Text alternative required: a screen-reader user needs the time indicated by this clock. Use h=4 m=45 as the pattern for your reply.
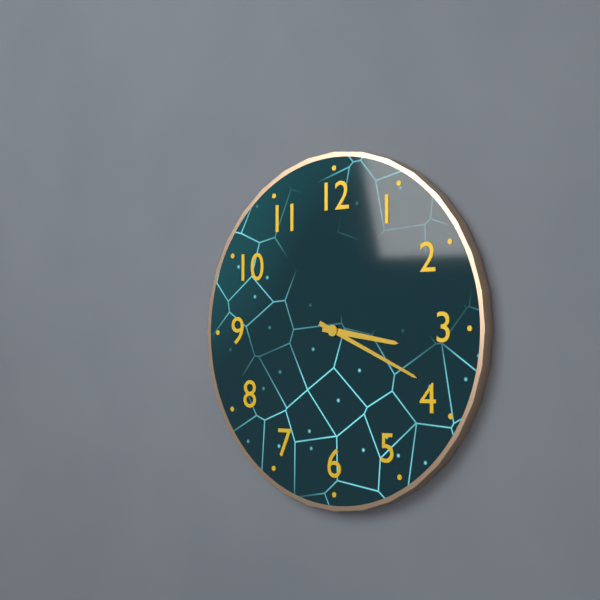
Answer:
h=3 m=19
